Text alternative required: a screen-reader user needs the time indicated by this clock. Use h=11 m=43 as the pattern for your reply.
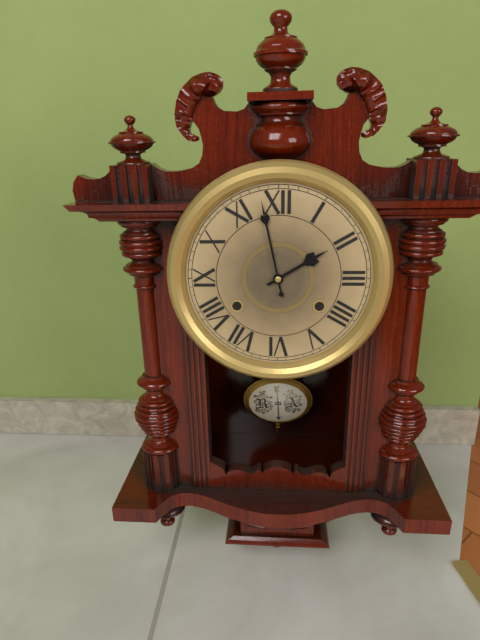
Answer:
h=1 m=58
